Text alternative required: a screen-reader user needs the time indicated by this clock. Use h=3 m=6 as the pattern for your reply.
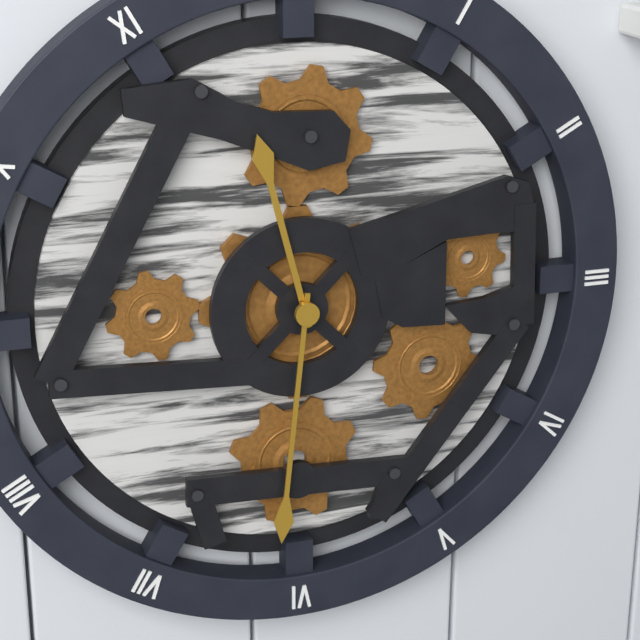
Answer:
h=11 m=31
